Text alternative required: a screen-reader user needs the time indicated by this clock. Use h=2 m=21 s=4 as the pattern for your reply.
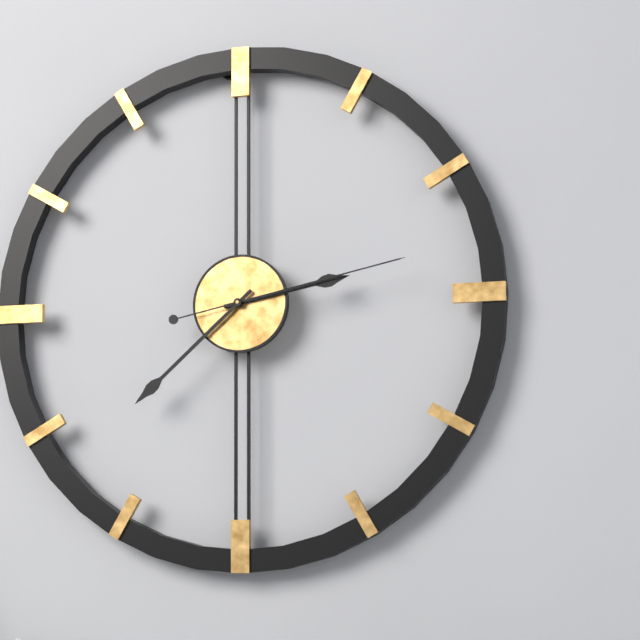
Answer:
h=2 m=38 s=13
